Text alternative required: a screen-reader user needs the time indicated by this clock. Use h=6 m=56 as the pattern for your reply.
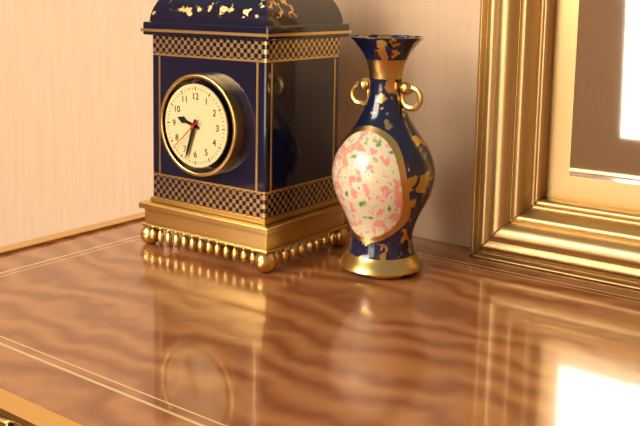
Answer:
h=9 m=33
